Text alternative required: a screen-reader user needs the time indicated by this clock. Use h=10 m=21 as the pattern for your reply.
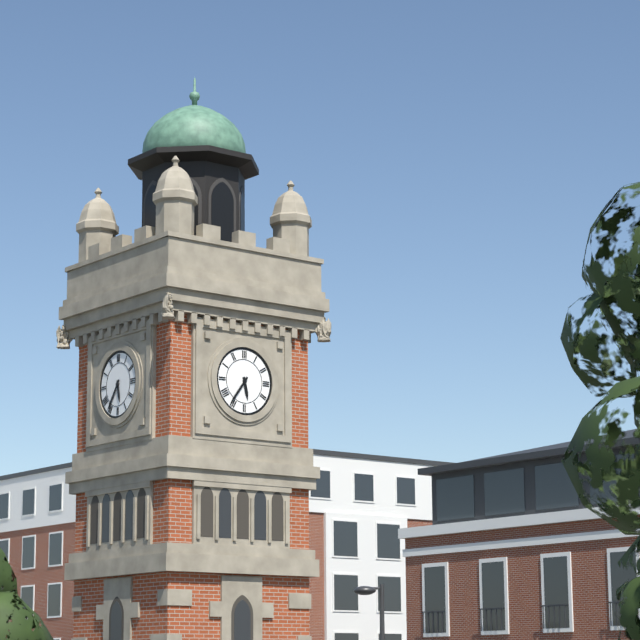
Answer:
h=5 m=36
